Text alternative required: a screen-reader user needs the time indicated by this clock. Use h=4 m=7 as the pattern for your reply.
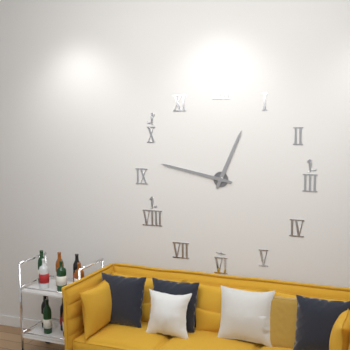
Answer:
h=12 m=47
